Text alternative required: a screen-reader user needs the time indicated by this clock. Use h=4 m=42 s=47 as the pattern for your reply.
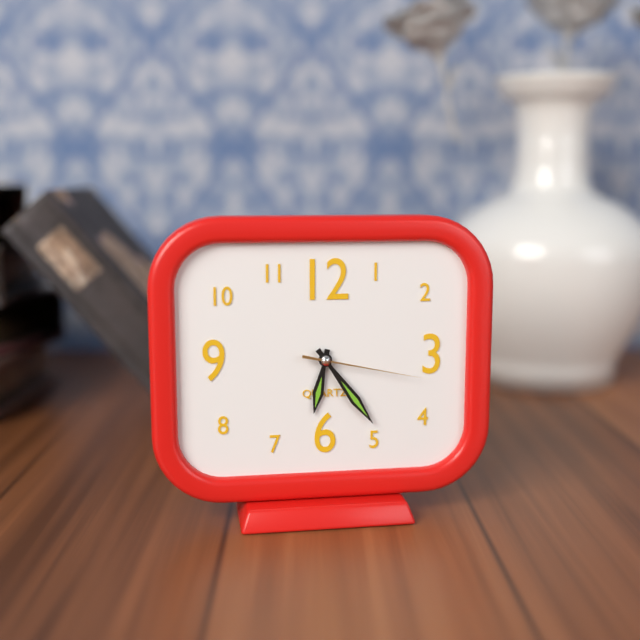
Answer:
h=6 m=24 s=17
